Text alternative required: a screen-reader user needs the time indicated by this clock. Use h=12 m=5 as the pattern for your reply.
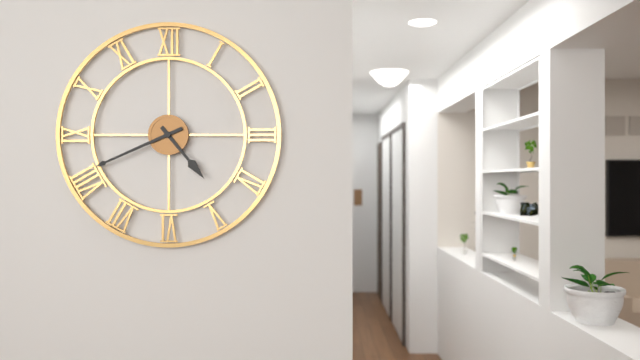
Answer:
h=4 m=41
